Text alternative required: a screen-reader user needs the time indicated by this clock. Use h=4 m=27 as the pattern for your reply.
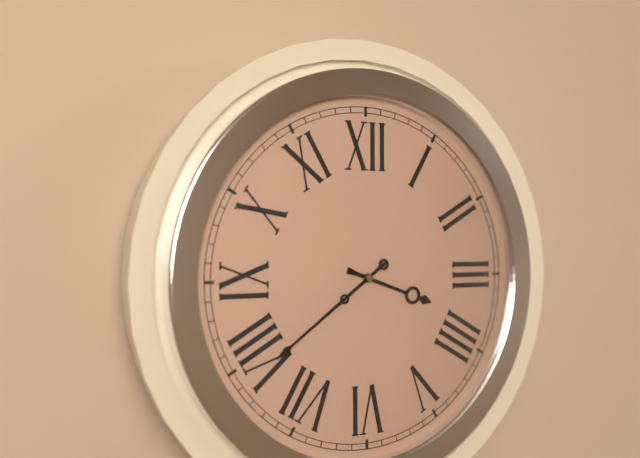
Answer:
h=3 m=39
